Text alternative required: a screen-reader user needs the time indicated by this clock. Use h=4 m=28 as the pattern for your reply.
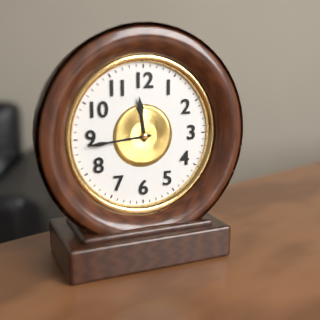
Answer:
h=11 m=44
